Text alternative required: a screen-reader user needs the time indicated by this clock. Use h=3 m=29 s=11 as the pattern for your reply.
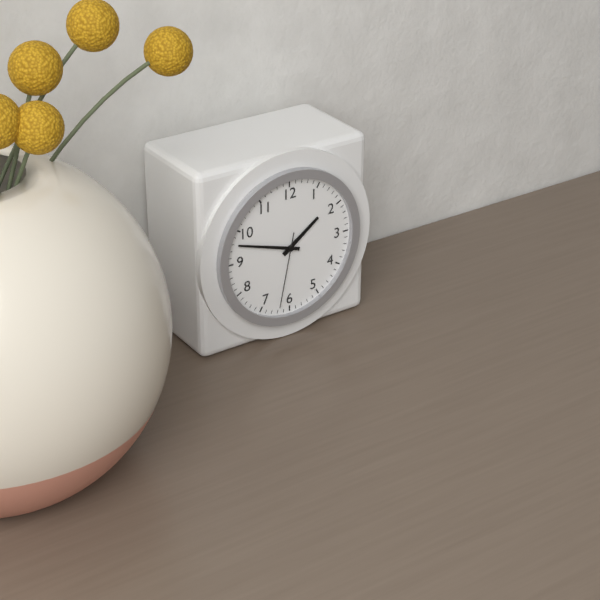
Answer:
h=1 m=48 s=32
